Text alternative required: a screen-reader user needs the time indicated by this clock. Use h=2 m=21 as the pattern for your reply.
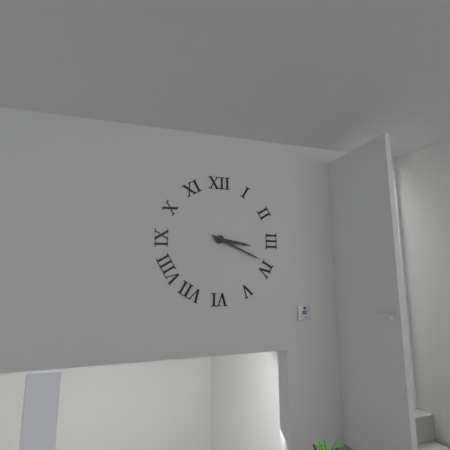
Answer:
h=3 m=19
